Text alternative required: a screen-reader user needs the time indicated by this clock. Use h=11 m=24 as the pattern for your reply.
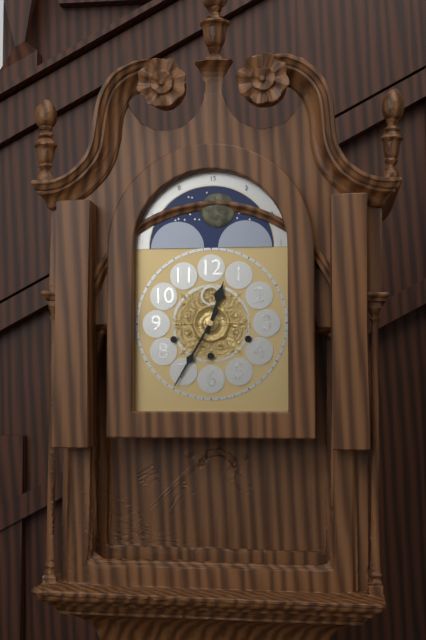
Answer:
h=12 m=35
